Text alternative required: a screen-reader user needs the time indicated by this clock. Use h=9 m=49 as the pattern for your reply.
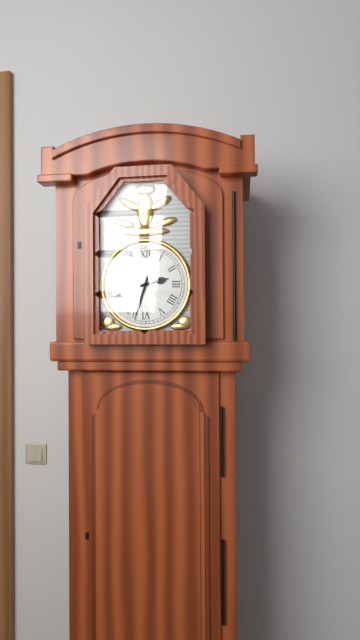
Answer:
h=2 m=33
